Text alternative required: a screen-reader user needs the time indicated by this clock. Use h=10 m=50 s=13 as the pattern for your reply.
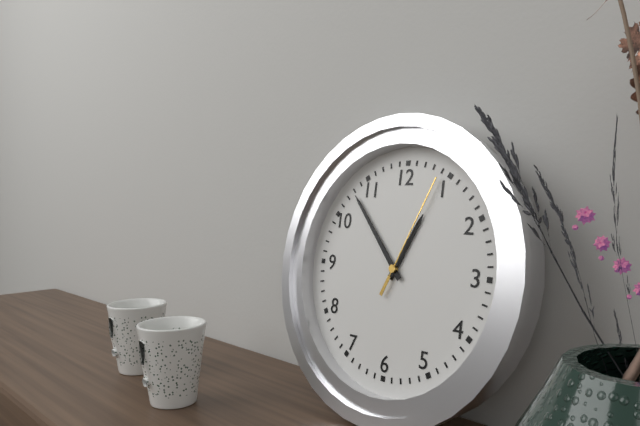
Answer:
h=12 m=53 s=4
